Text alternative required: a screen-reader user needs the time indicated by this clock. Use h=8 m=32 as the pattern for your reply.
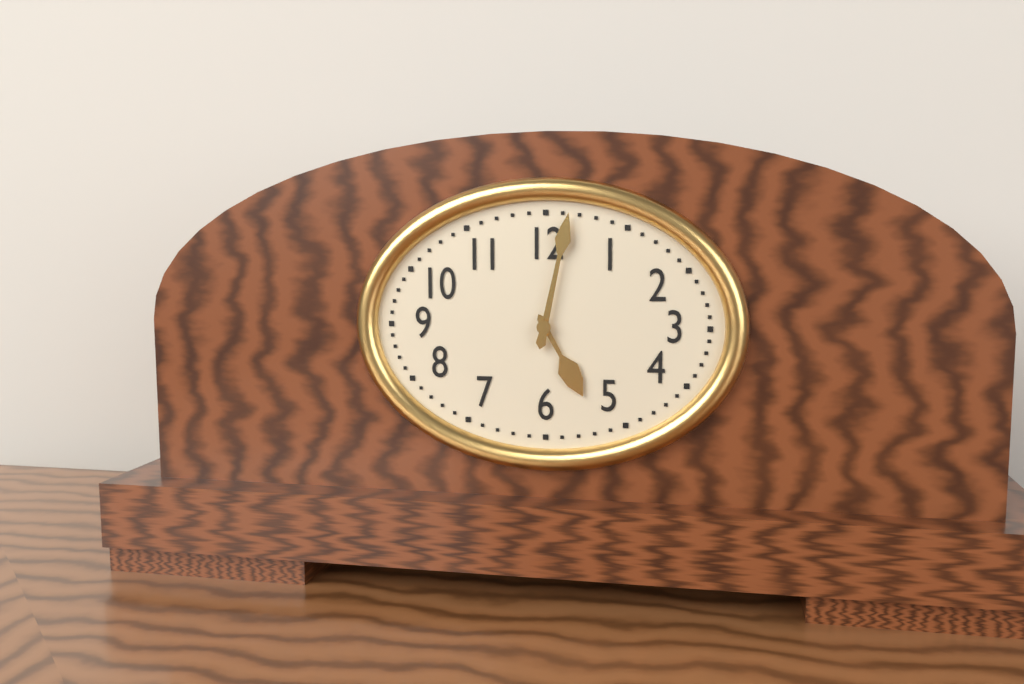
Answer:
h=5 m=2
